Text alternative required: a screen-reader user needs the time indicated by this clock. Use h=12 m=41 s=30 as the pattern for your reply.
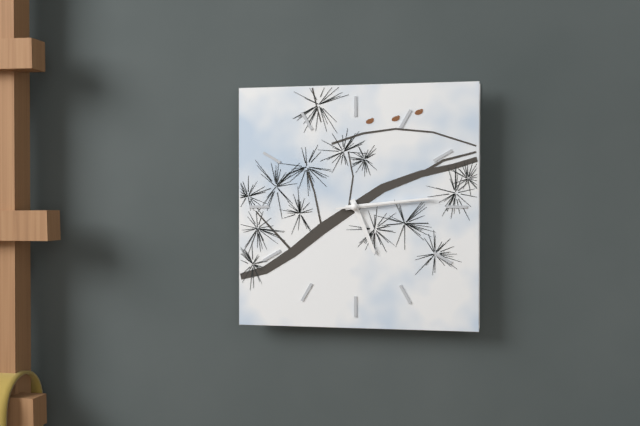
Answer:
h=5 m=14 s=14
